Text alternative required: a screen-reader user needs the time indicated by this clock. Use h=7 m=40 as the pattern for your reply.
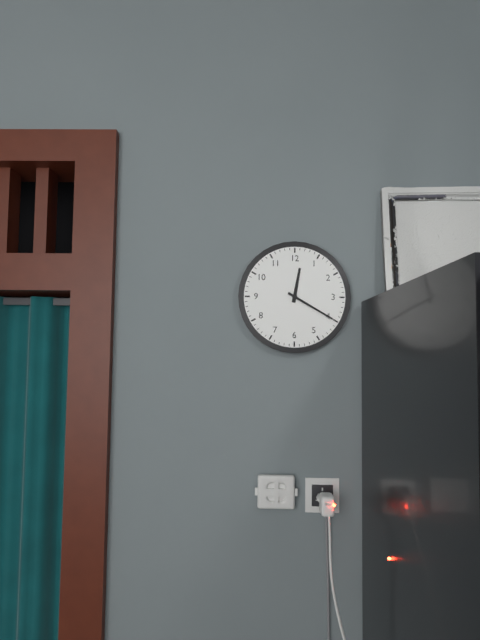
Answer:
h=12 m=20
